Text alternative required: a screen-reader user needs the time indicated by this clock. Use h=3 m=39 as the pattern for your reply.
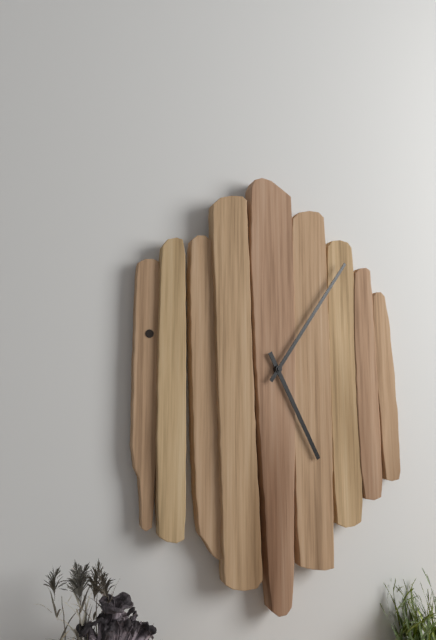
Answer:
h=5 m=6
